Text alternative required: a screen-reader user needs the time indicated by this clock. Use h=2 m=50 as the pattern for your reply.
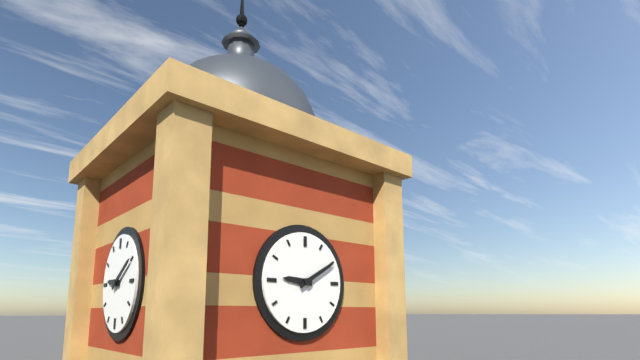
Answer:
h=9 m=10
